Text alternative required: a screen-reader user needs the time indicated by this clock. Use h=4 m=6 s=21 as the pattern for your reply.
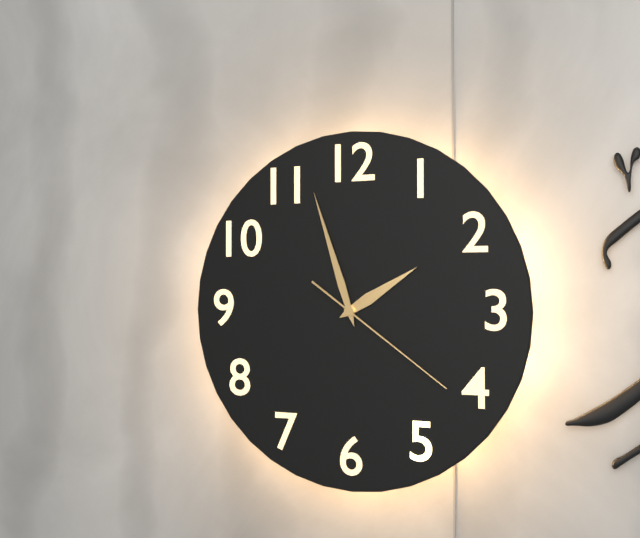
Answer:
h=1 m=57 s=21
